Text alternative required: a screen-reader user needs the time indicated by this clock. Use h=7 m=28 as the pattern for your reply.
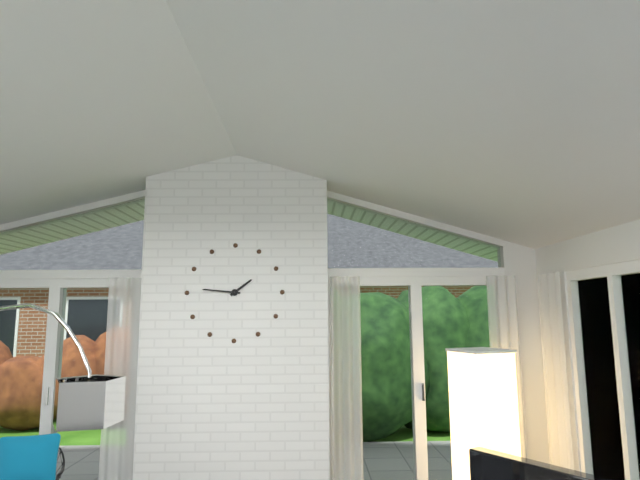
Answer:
h=1 m=46
